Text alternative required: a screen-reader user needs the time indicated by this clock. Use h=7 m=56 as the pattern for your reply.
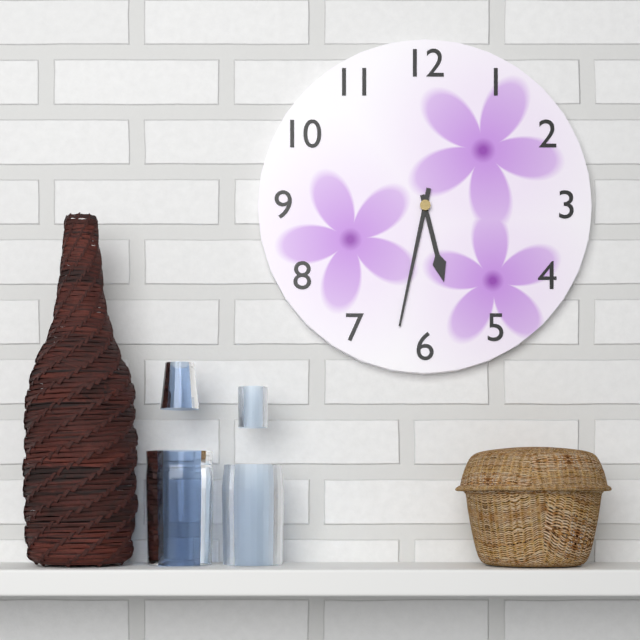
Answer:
h=5 m=32
